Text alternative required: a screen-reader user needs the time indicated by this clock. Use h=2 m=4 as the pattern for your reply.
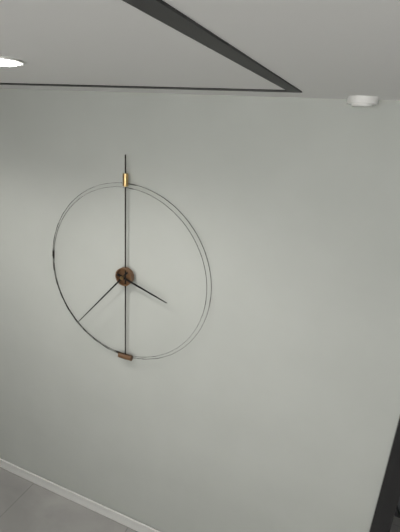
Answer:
h=3 m=37
